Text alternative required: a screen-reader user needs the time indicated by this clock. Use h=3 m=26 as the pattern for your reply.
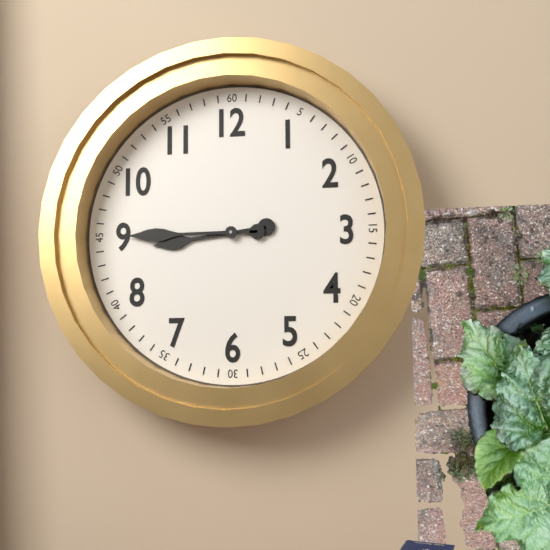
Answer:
h=8 m=45
